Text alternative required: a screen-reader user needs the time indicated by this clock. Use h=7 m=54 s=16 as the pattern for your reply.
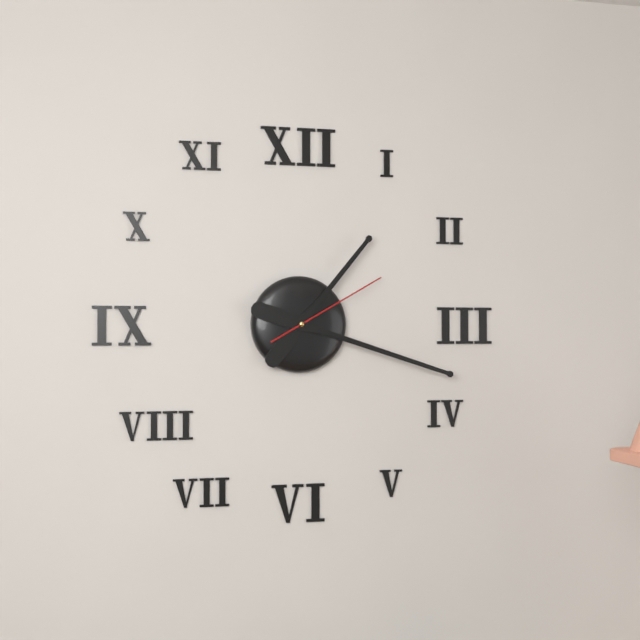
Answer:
h=1 m=18 s=10
